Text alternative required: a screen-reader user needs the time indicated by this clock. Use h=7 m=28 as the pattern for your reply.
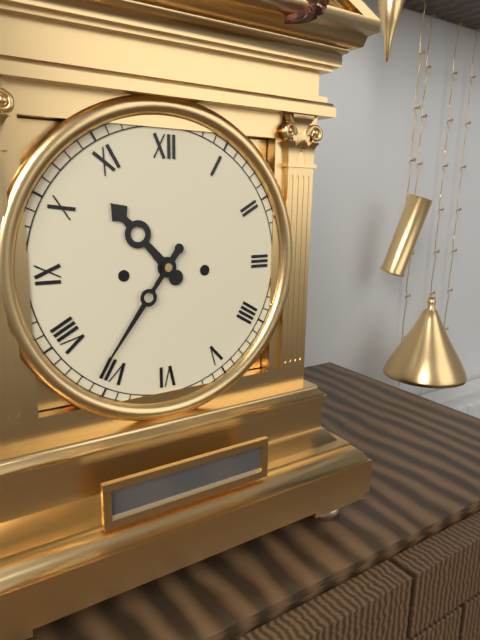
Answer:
h=10 m=36
